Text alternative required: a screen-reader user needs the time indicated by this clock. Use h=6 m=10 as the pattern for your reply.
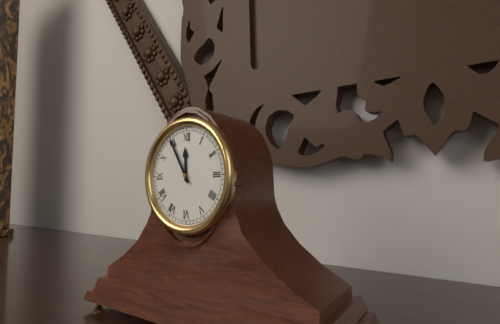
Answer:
h=11 m=55
